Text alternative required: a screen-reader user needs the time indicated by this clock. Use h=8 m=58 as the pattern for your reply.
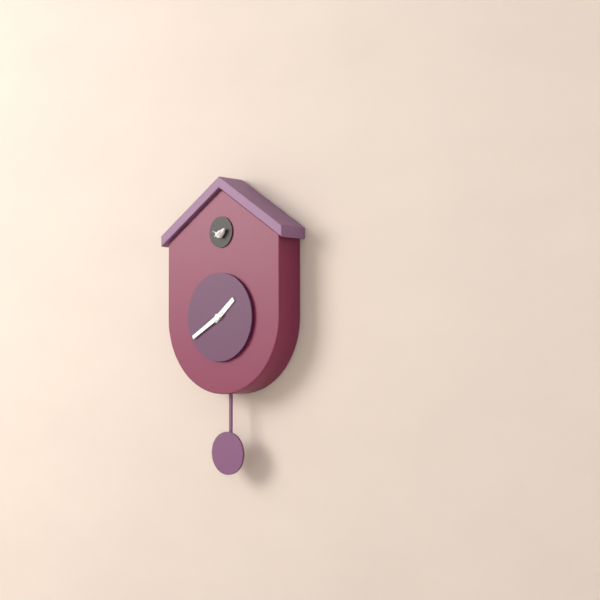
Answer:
h=1 m=40
